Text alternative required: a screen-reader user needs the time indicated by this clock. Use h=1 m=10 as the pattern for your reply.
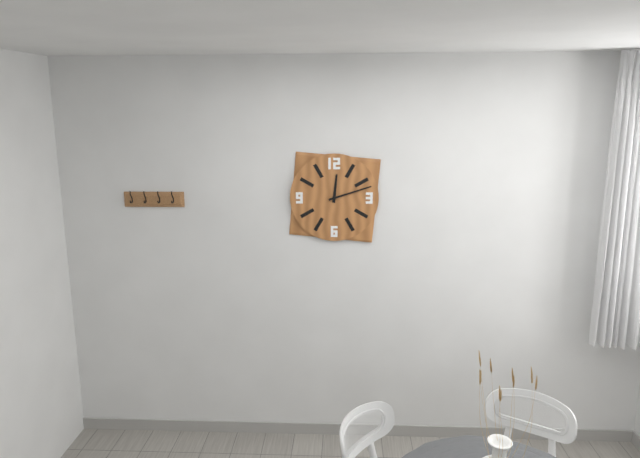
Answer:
h=12 m=12
